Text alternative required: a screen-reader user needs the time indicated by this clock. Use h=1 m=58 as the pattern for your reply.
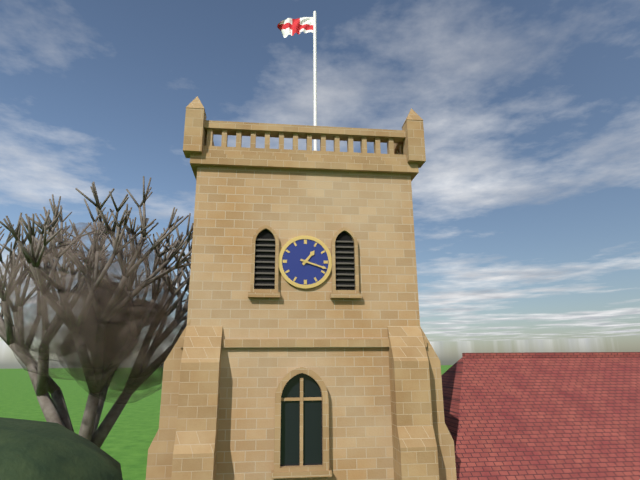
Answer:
h=1 m=18
